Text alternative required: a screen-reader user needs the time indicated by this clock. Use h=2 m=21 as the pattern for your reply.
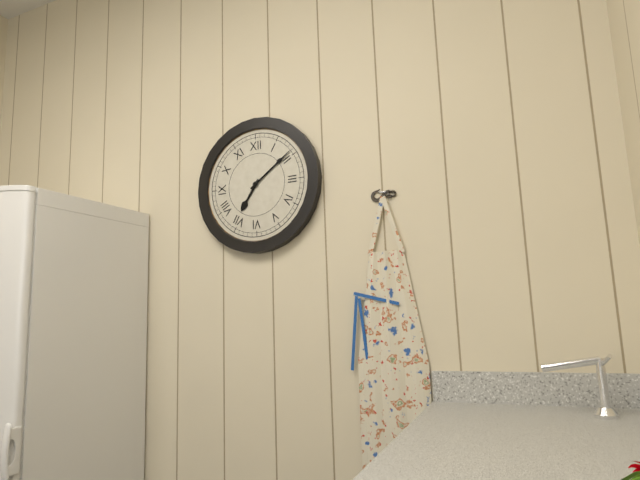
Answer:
h=7 m=9
